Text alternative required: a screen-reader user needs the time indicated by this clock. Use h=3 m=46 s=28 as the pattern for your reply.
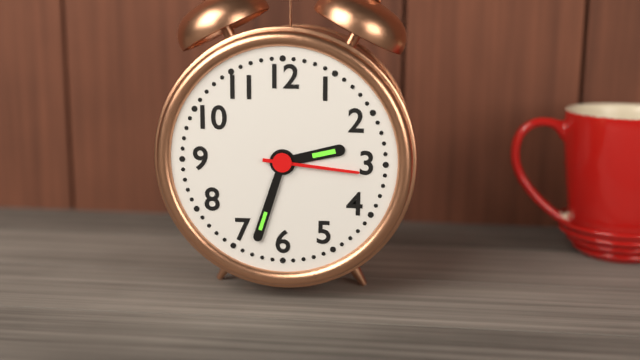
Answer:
h=2 m=33 s=16
